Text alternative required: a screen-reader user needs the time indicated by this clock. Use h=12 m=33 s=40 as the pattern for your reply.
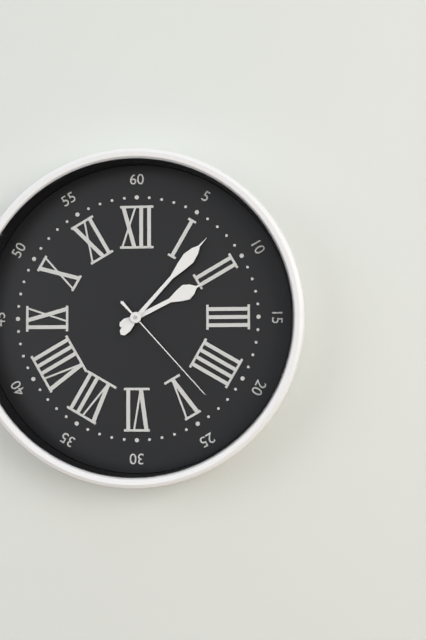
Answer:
h=2 m=7 s=23
